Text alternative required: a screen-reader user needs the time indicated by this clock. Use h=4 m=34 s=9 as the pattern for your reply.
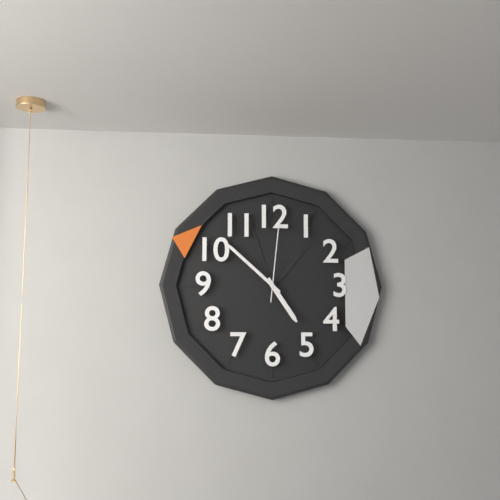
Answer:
h=4 m=52 s=1
